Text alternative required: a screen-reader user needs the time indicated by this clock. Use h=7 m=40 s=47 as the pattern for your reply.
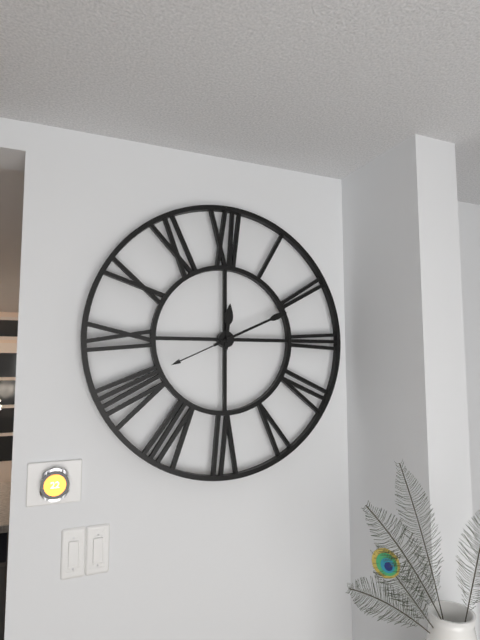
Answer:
h=12 m=11 s=41
